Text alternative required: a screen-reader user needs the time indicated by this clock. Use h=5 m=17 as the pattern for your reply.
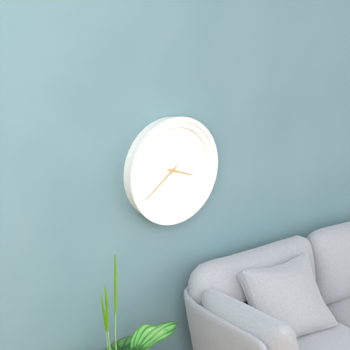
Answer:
h=3 m=39
